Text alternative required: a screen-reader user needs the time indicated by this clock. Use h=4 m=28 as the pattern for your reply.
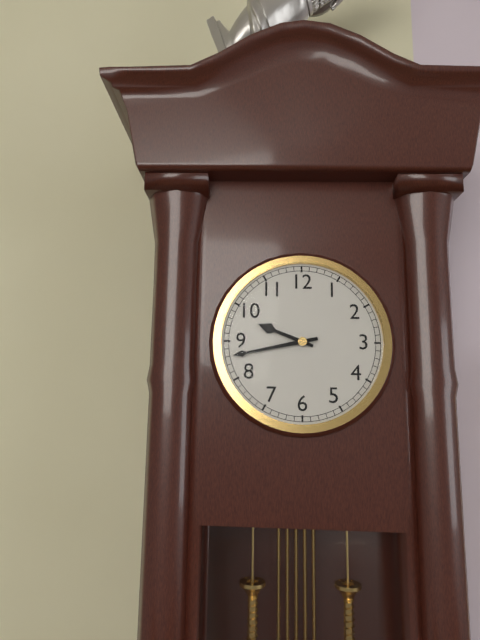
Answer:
h=9 m=43
